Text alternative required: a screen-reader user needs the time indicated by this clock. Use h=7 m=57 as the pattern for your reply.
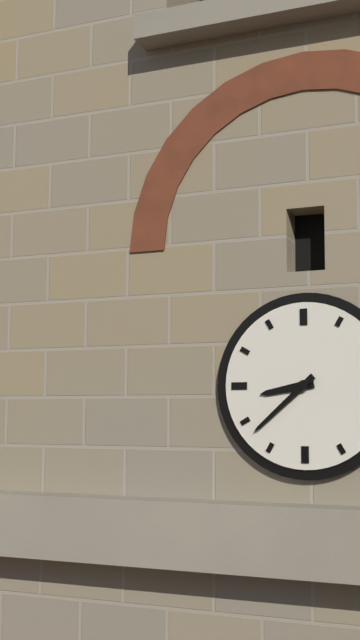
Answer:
h=8 m=38
